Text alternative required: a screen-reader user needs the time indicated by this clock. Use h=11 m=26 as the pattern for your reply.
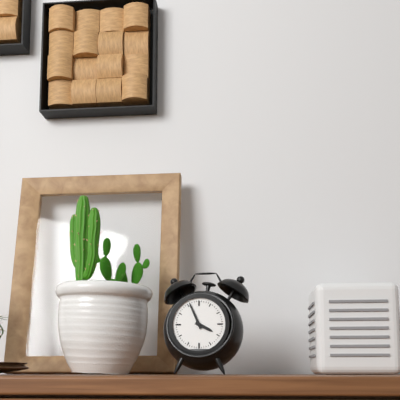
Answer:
h=3 m=56
